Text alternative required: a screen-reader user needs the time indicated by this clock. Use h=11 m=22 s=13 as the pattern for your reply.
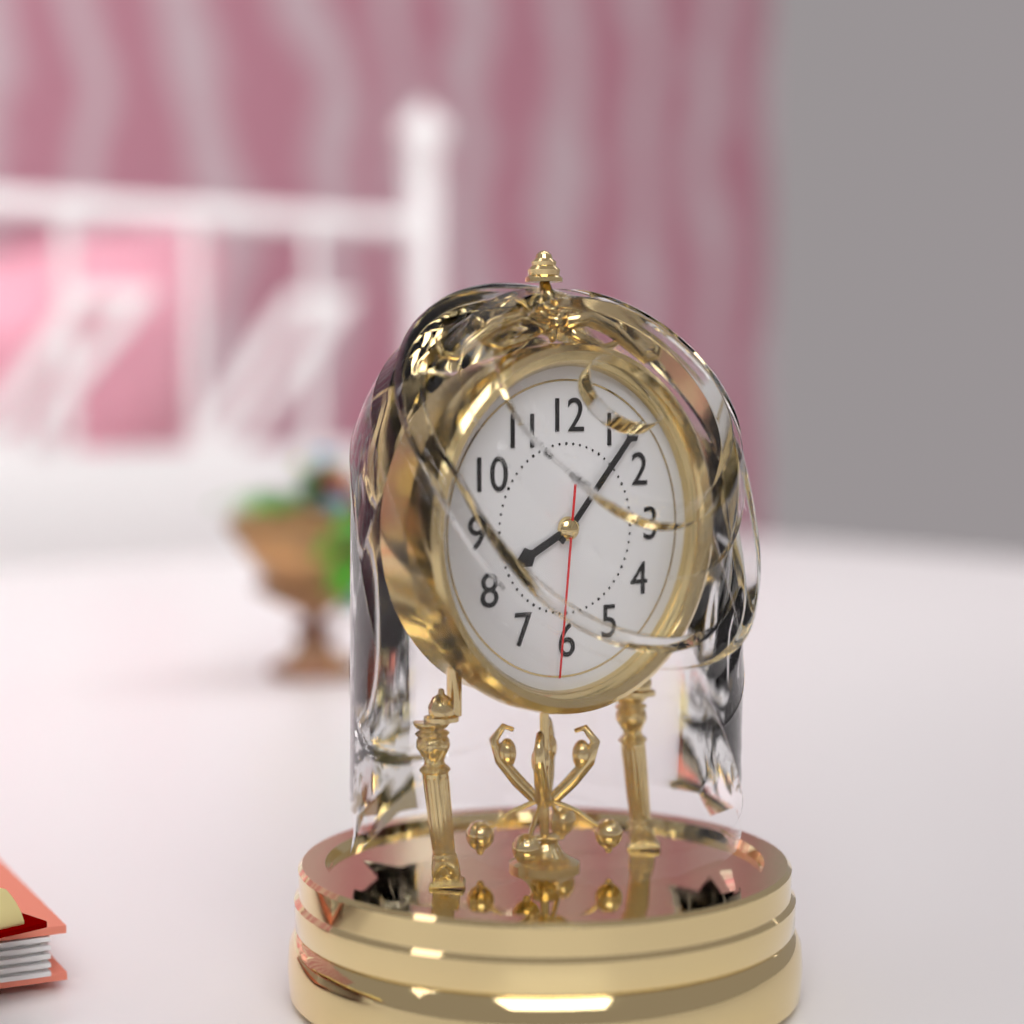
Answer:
h=8 m=7 s=31
